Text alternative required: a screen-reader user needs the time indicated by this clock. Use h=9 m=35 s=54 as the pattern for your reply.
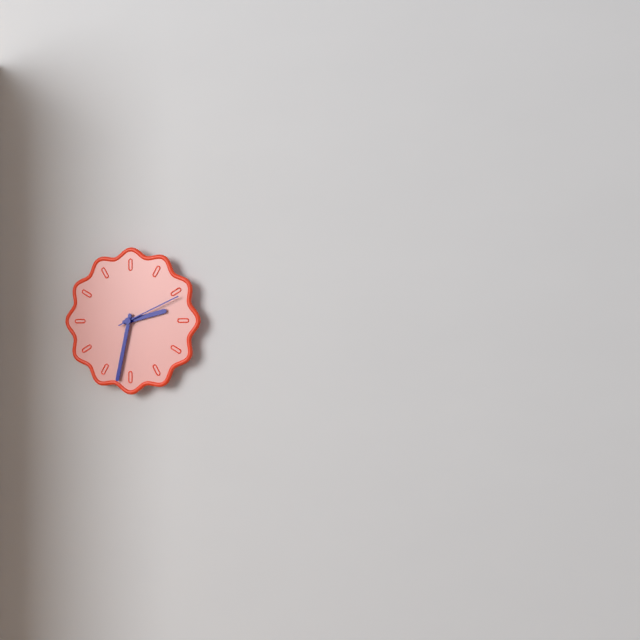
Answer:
h=2 m=32 s=11
